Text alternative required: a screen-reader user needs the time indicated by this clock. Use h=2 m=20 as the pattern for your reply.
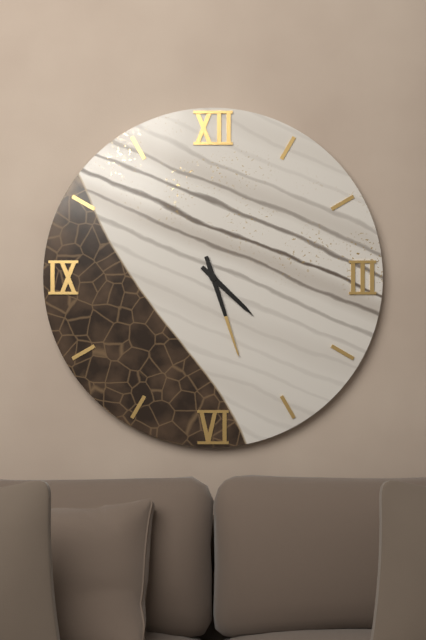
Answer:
h=4 m=27
